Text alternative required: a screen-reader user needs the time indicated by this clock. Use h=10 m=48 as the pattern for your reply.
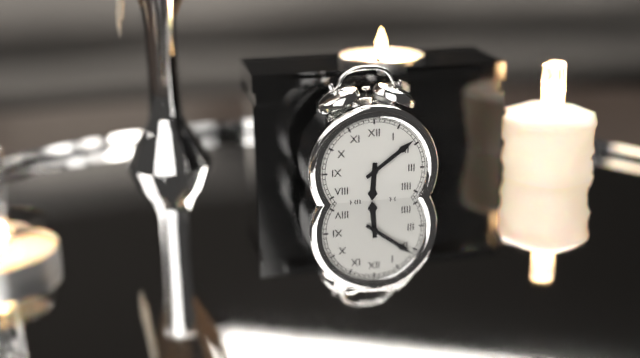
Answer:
h=6 m=9
